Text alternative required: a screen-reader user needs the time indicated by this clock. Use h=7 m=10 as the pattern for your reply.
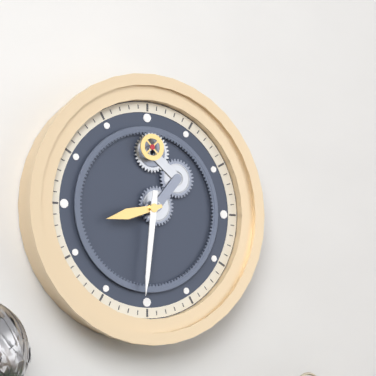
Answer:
h=8 m=31
